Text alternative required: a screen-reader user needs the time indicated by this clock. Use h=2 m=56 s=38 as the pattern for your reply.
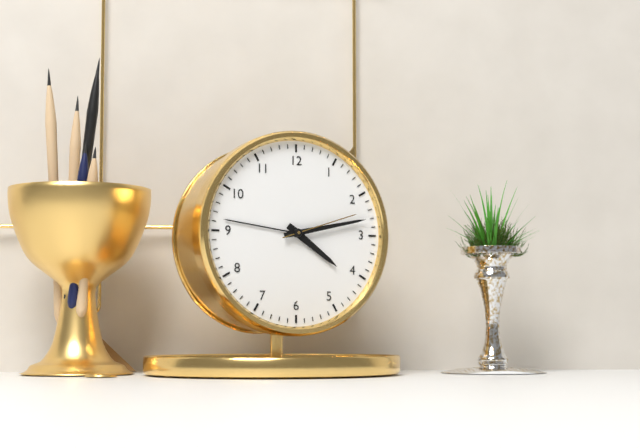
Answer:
h=4 m=13 s=12
